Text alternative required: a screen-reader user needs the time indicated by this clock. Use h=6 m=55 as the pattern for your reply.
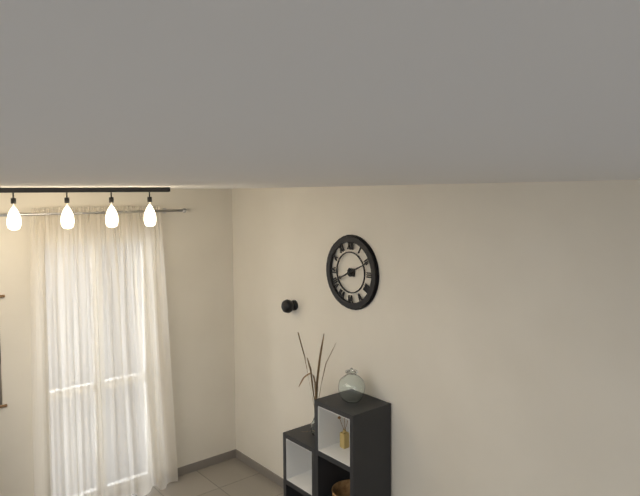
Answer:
h=8 m=11
